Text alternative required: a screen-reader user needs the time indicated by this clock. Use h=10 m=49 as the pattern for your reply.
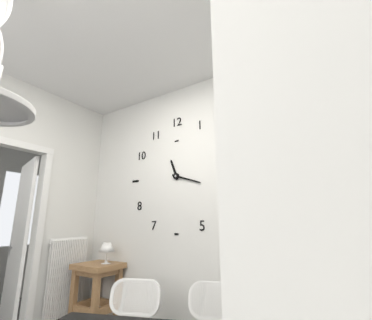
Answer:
h=11 m=18
